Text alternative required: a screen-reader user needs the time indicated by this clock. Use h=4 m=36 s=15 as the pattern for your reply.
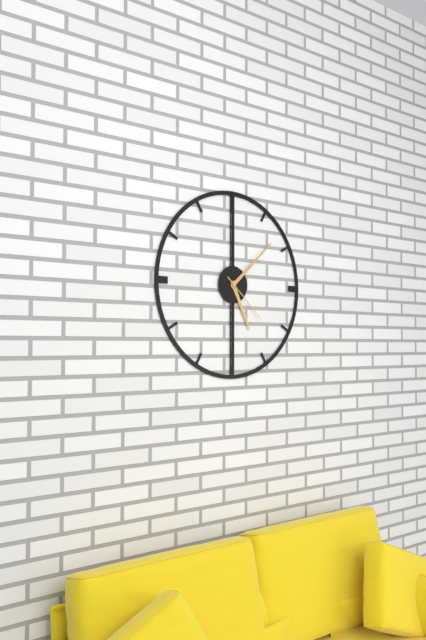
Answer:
h=5 m=8 s=22
